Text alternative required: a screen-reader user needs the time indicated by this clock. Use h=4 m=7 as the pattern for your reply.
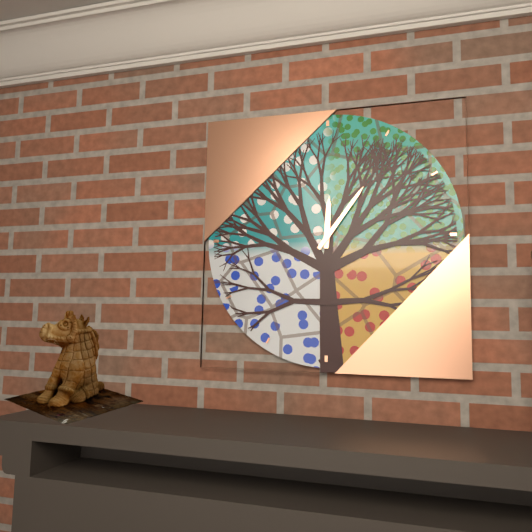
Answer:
h=12 m=6
